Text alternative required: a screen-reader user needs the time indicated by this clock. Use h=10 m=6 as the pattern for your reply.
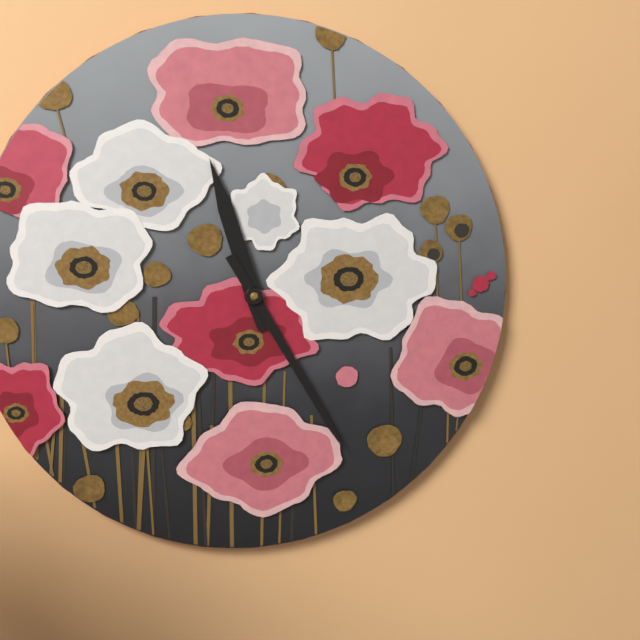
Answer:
h=11 m=25
